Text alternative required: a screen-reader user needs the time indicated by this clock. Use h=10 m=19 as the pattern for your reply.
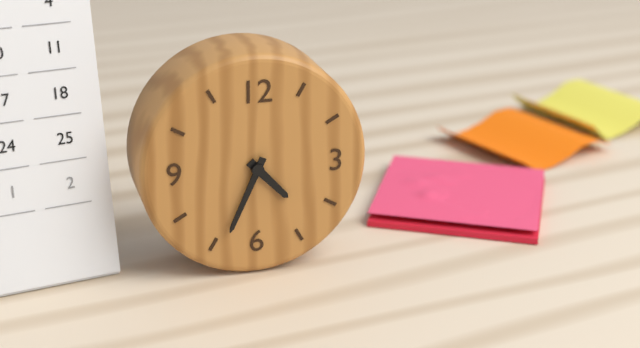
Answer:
h=4 m=34
